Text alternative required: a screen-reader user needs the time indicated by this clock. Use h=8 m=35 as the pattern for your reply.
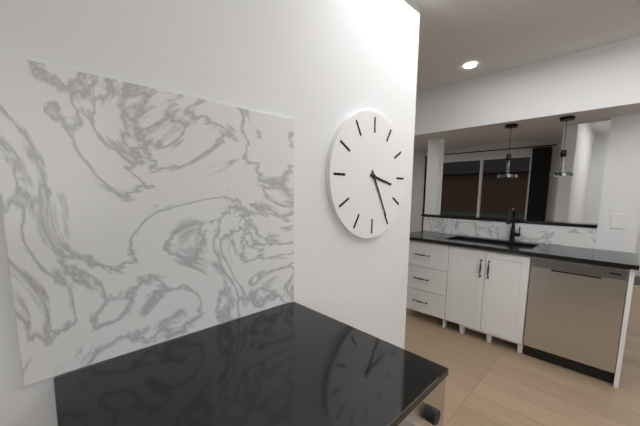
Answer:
h=3 m=25
